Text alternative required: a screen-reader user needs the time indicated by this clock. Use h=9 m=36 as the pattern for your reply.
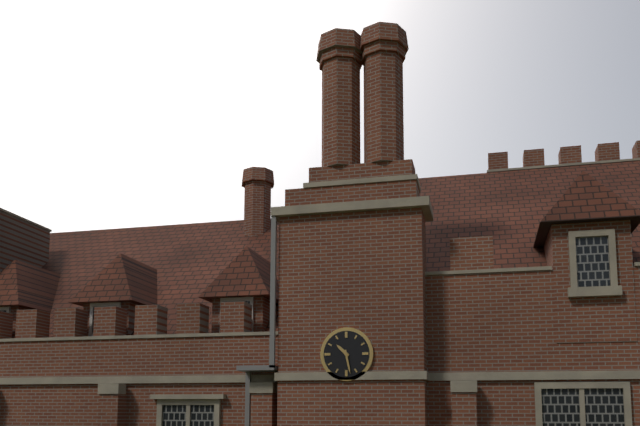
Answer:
h=10 m=28
